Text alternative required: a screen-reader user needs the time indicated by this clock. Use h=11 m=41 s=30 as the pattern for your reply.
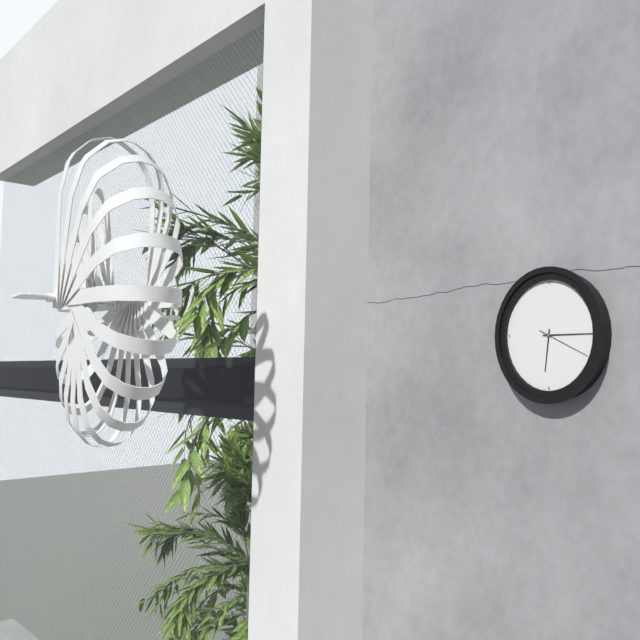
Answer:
h=6 m=15 s=19
